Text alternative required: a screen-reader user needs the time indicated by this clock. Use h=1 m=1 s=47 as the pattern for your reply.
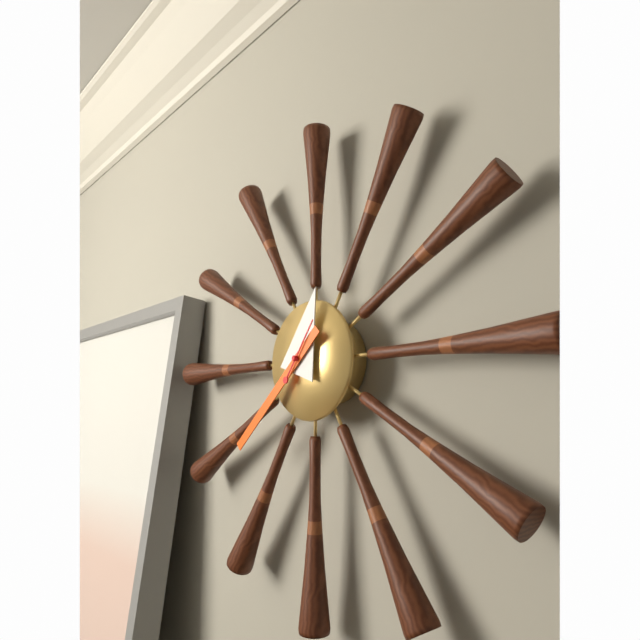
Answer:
h=12 m=38 s=6
